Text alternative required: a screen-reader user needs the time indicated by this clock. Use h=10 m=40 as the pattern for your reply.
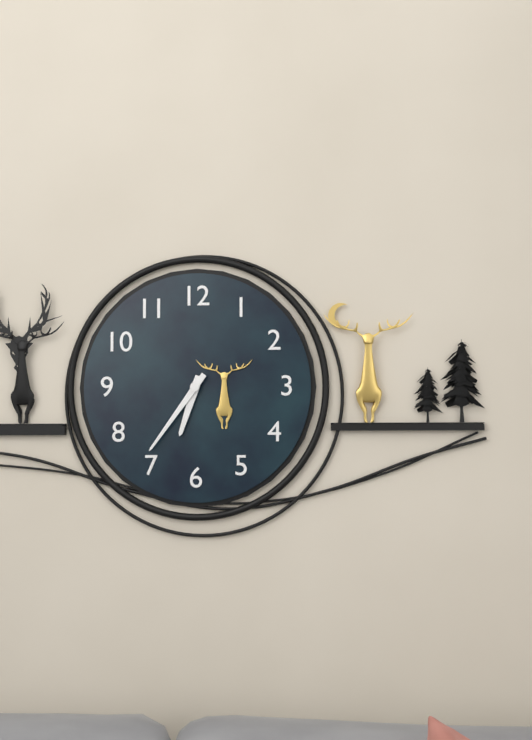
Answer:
h=6 m=36
